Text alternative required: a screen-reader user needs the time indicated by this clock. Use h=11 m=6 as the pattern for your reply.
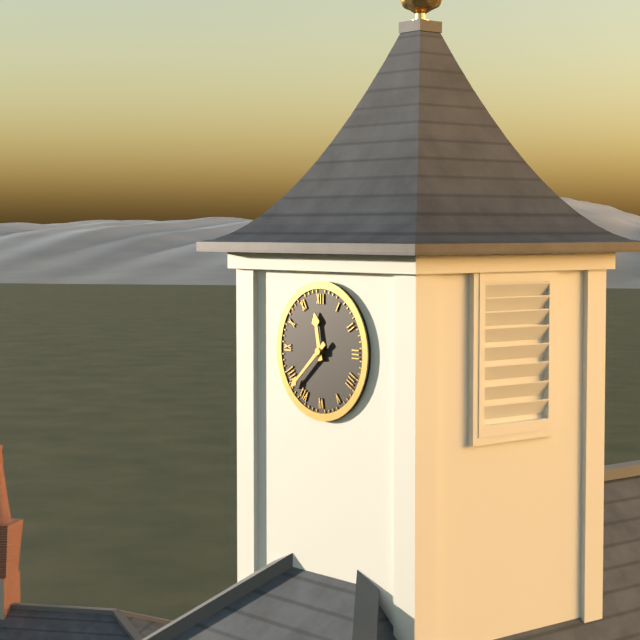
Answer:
h=11 m=38
